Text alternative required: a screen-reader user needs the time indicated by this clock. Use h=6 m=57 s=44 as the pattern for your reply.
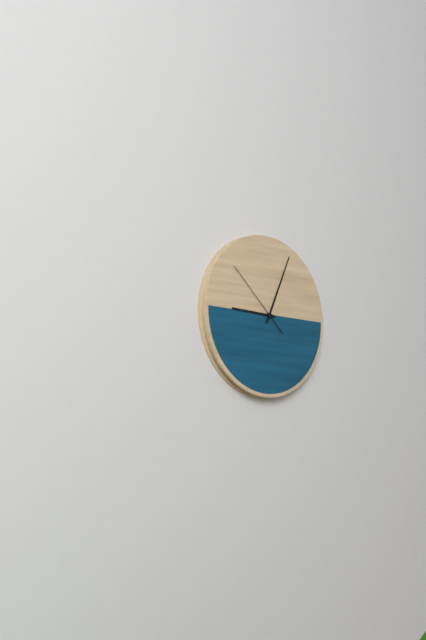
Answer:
h=9 m=4 s=52
